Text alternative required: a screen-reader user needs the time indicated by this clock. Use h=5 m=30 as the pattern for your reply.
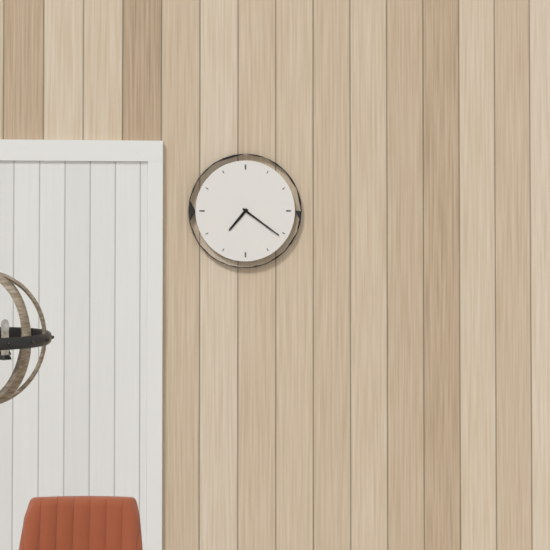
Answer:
h=7 m=21
